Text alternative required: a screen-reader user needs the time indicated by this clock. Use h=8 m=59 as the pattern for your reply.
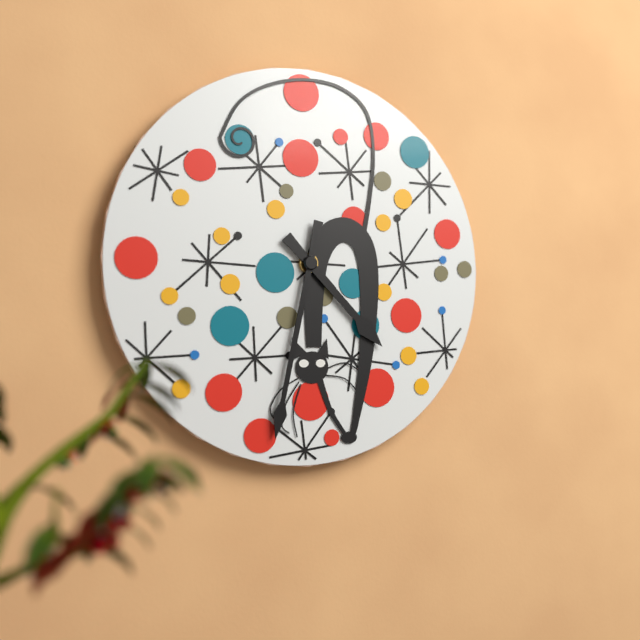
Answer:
h=4 m=32
